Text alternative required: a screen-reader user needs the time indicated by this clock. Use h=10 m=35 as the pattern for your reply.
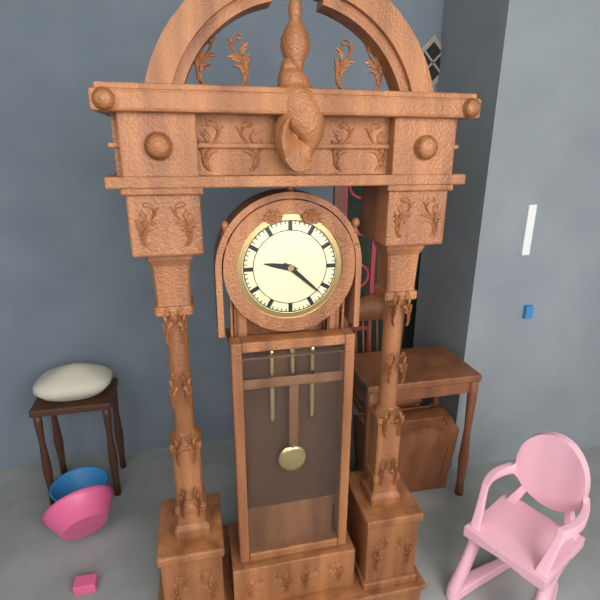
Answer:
h=9 m=22
